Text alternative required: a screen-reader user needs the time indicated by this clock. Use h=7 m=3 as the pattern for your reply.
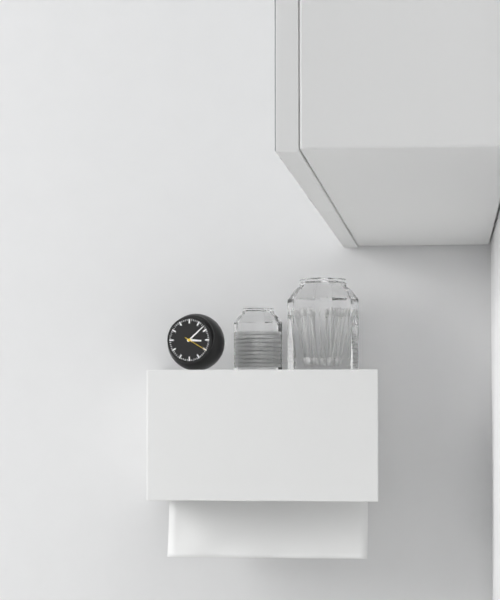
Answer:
h=3 m=8
